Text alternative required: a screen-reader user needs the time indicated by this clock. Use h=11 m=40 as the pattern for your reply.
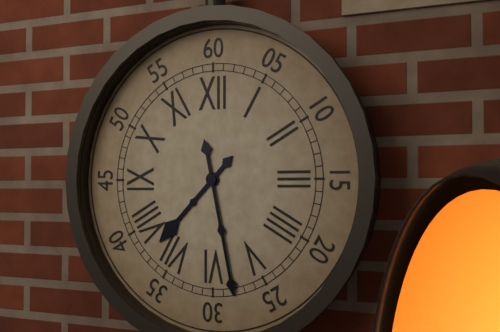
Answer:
h=7 m=28
